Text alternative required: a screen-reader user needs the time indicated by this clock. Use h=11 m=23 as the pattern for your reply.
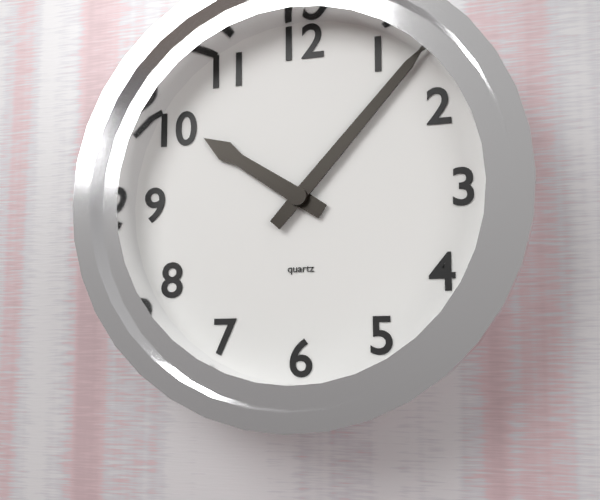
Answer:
h=10 m=7
